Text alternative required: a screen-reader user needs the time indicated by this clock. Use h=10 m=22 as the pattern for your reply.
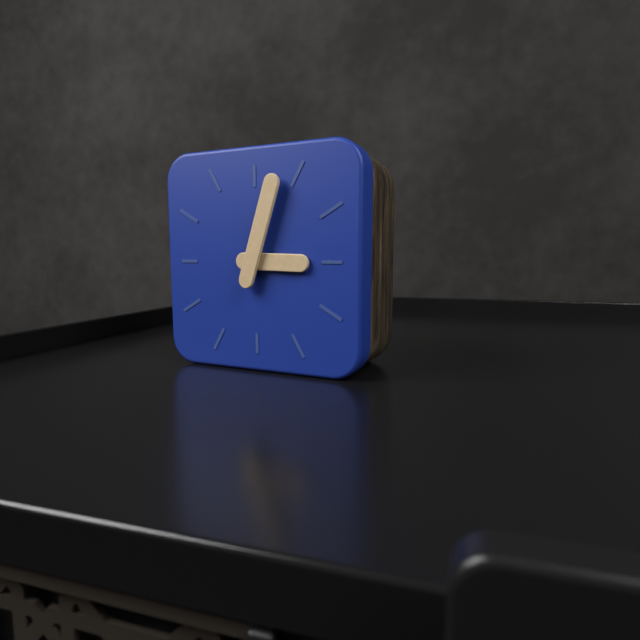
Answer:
h=3 m=3
